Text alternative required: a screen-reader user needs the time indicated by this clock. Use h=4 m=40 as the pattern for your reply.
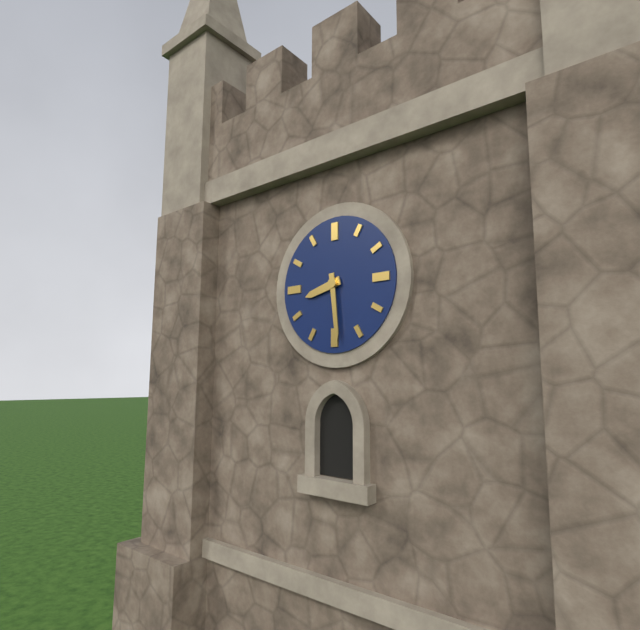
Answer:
h=8 m=29
